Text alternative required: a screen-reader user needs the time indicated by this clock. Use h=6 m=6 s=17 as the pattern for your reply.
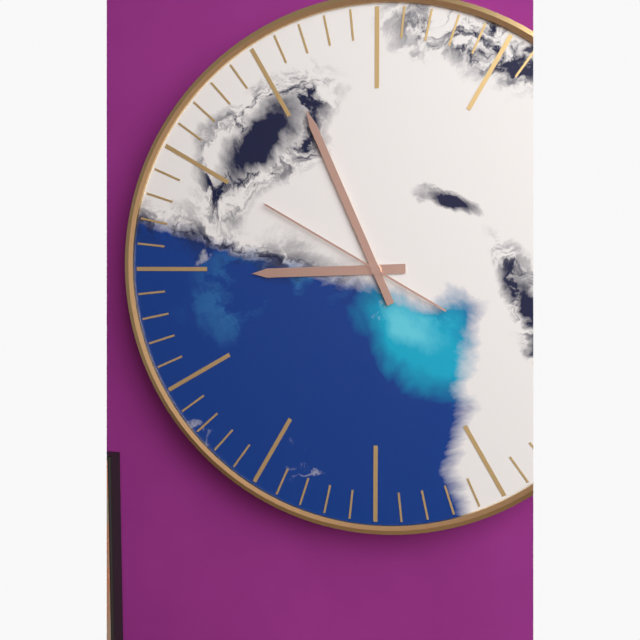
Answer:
h=8 m=56 s=50
